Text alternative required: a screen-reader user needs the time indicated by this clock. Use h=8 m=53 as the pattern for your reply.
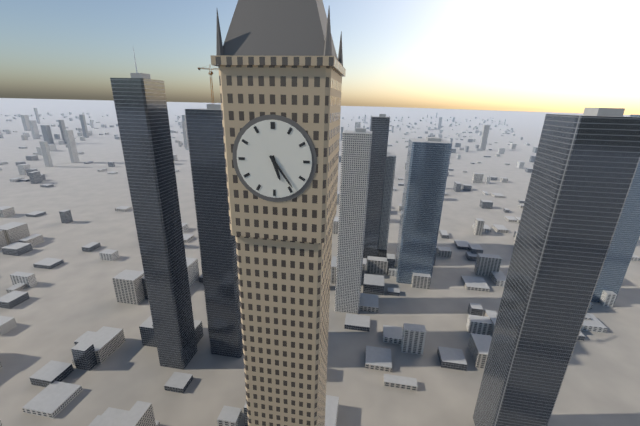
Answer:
h=5 m=24
